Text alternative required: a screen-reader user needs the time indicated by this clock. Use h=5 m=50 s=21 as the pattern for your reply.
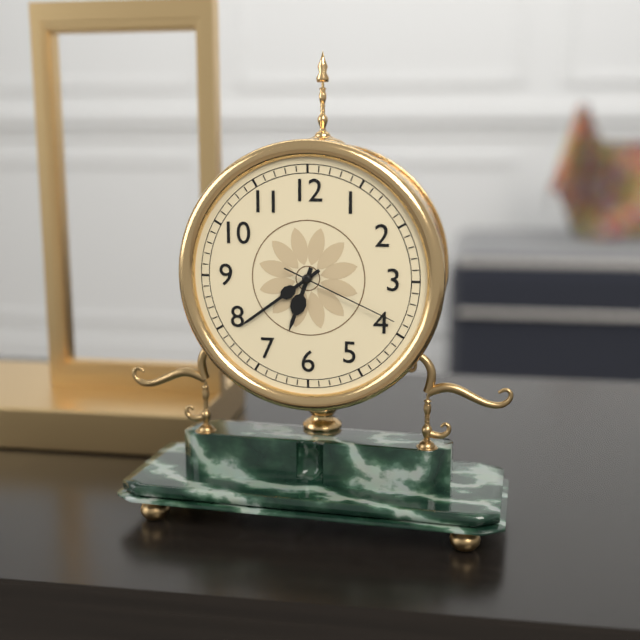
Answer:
h=6 m=39 s=19
